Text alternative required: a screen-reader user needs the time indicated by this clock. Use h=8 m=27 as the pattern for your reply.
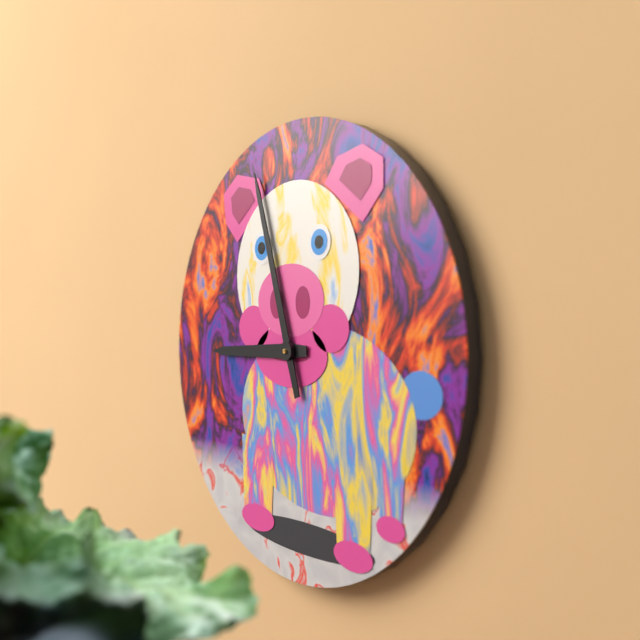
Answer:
h=8 m=57
